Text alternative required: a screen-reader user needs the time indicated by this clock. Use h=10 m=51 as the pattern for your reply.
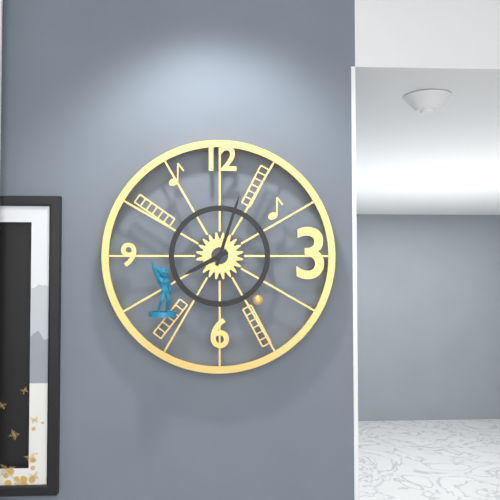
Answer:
h=8 m=3
